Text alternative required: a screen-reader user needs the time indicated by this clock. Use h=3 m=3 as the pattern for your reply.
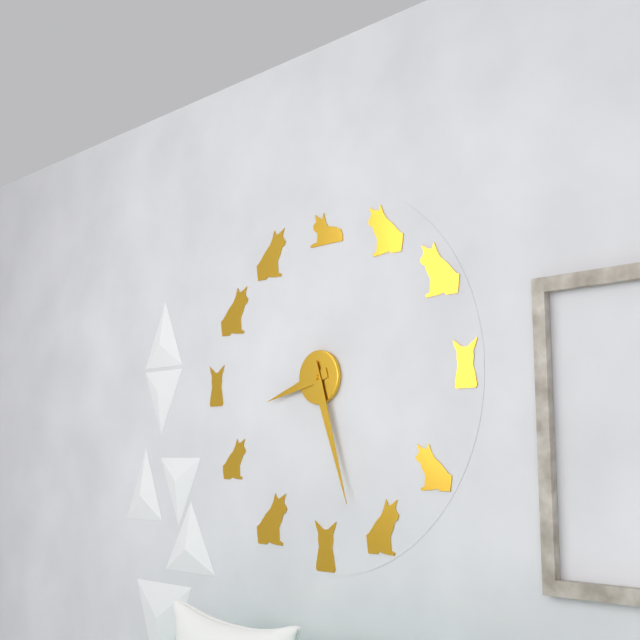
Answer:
h=8 m=27
